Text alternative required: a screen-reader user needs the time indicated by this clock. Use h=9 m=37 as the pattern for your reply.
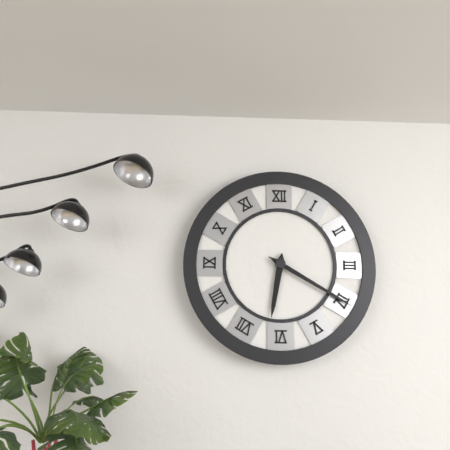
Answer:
h=6 m=20
